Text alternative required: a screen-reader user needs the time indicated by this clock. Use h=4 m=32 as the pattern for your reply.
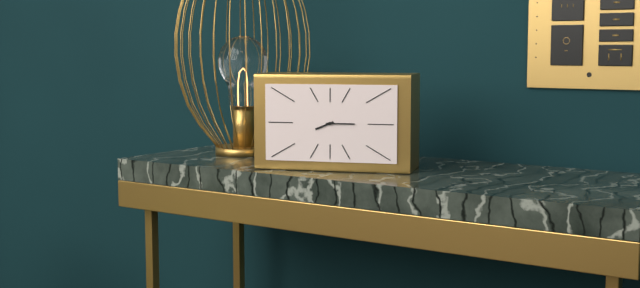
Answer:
h=8 m=15
